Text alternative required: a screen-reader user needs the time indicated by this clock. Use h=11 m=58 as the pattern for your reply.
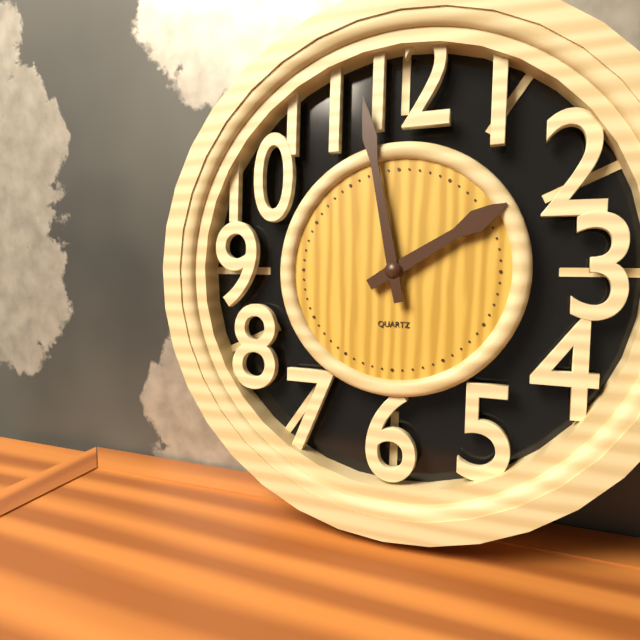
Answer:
h=1 m=58
